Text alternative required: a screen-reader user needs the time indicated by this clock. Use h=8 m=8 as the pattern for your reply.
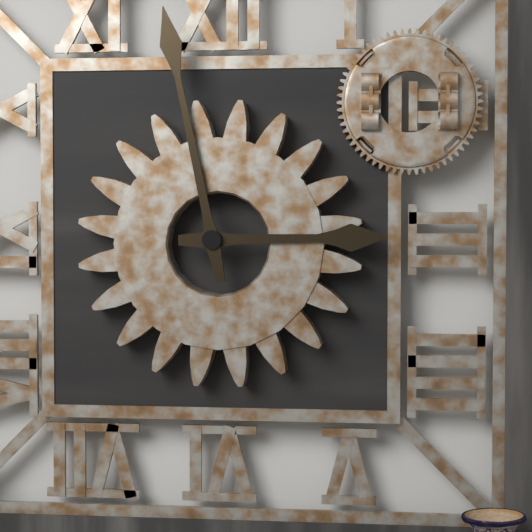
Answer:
h=2 m=58
